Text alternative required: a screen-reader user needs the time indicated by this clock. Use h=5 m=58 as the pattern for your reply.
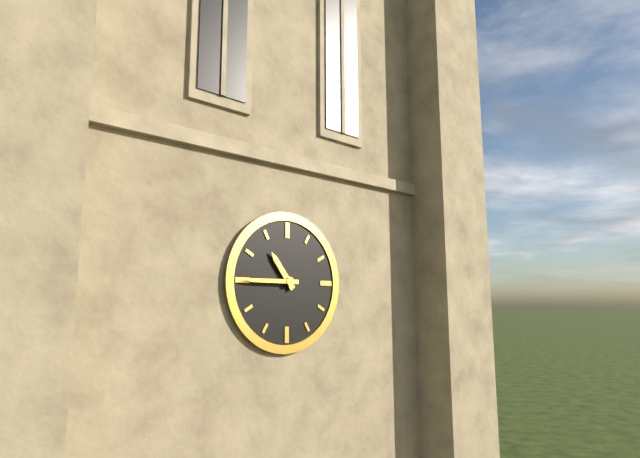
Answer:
h=10 m=45
